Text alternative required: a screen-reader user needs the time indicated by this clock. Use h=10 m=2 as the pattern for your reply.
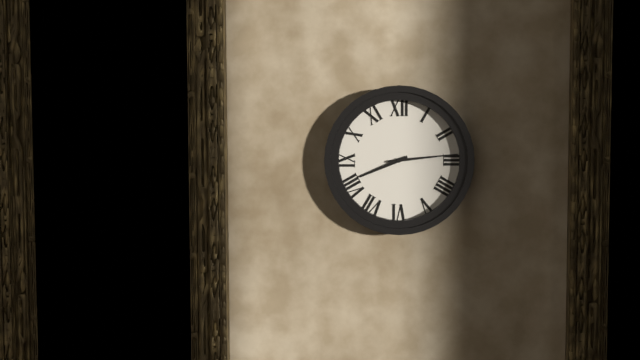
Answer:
h=8 m=14
